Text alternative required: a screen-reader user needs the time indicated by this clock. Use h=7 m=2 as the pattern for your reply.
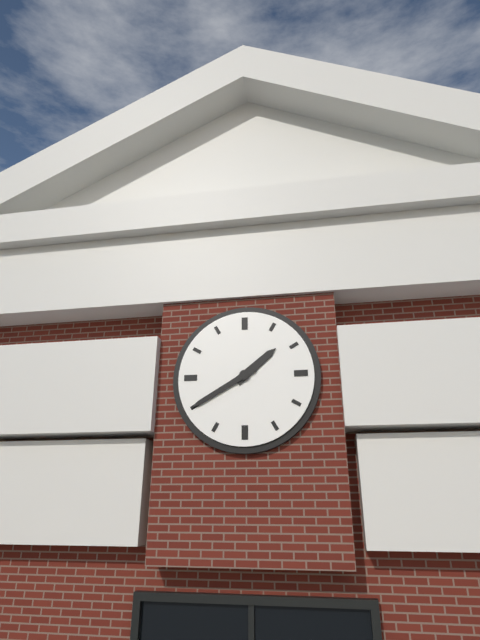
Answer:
h=1 m=40
